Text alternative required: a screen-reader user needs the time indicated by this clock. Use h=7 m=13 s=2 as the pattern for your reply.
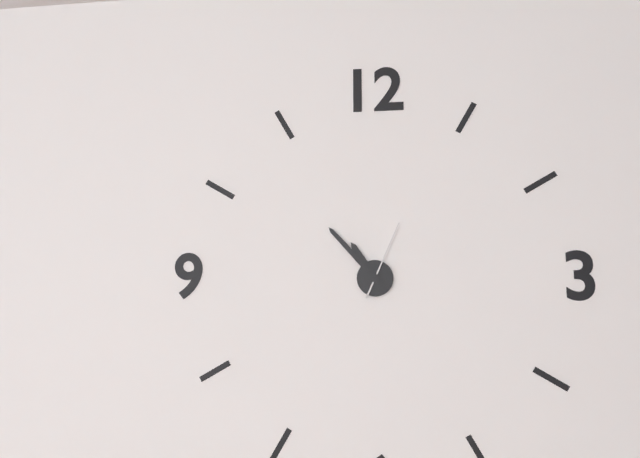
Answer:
h=10 m=53 s=4
